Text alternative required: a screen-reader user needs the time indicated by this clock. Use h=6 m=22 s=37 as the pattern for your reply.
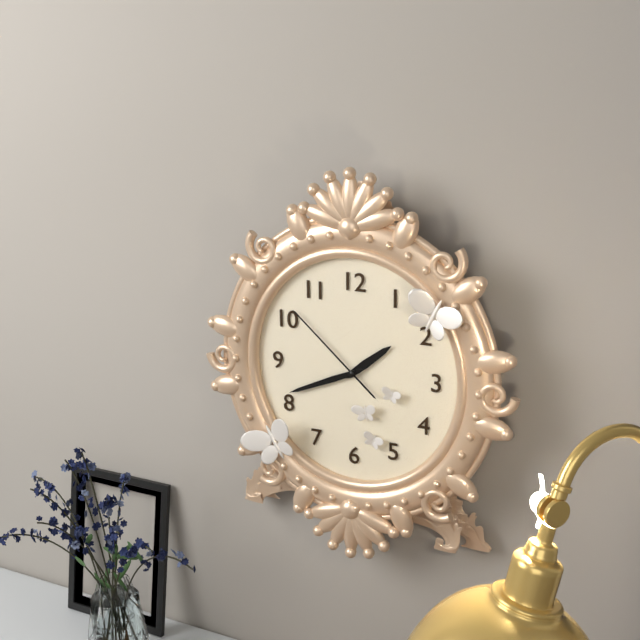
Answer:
h=1 m=41 s=52
